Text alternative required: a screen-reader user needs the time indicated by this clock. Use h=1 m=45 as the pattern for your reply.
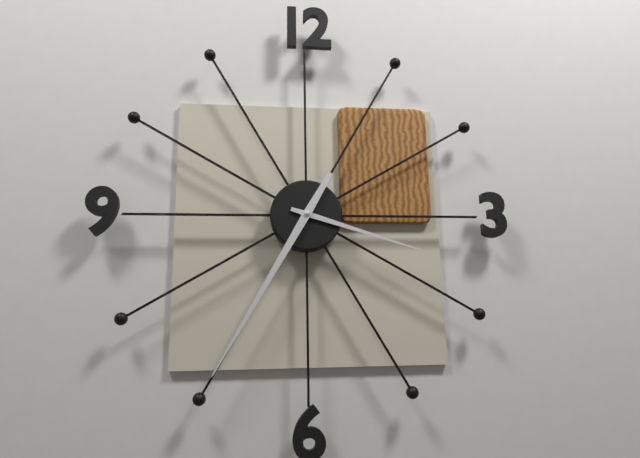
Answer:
h=3 m=35
